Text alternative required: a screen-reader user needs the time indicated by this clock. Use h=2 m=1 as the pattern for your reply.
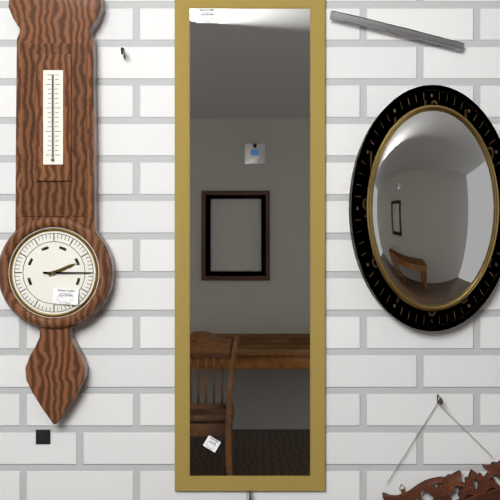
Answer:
h=2 m=15
